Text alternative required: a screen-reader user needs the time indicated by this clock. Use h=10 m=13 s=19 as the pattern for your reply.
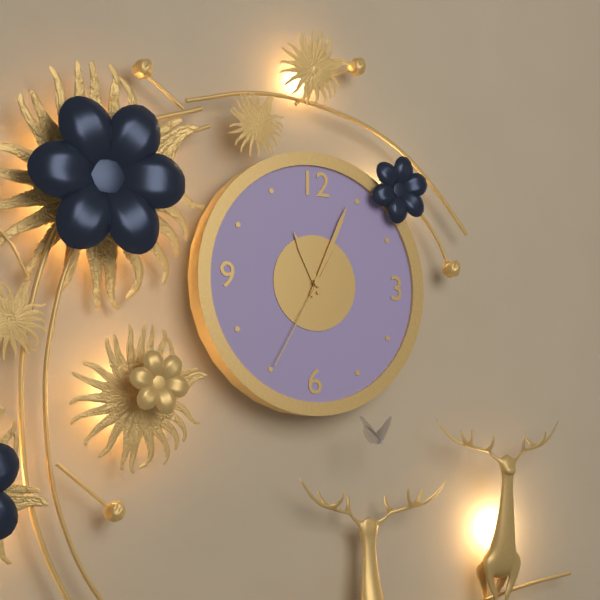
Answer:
h=11 m=4 s=35
